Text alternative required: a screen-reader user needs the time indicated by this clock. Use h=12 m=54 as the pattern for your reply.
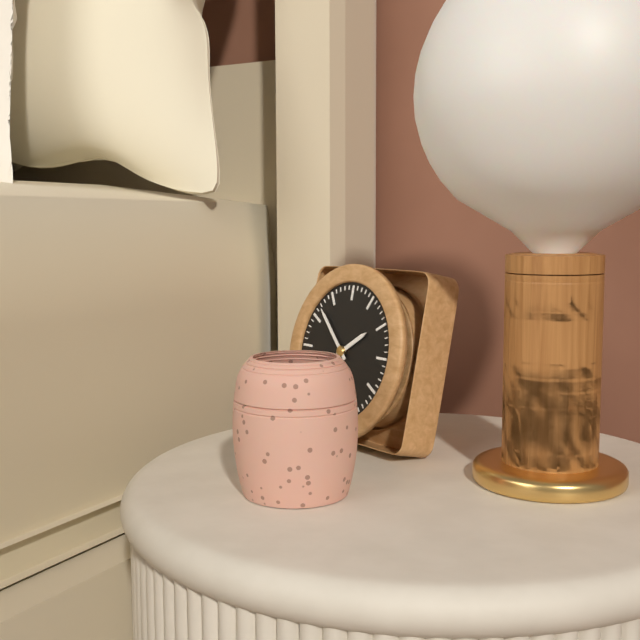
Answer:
h=1 m=52
